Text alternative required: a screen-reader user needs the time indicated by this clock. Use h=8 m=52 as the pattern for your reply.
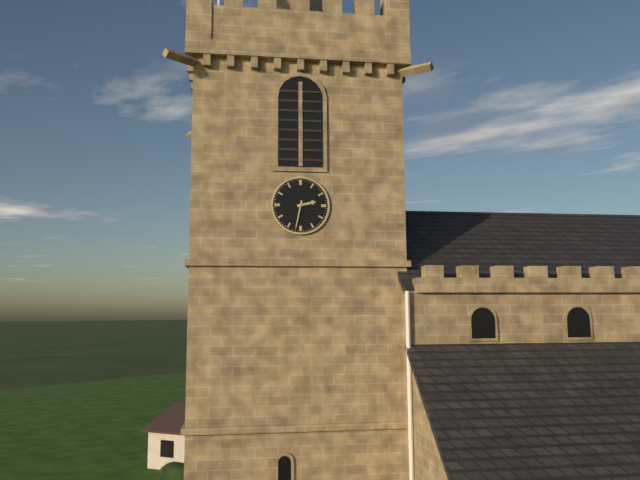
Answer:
h=2 m=32
